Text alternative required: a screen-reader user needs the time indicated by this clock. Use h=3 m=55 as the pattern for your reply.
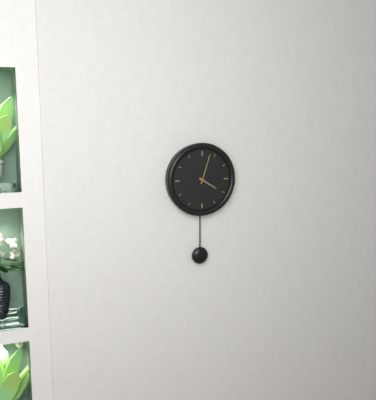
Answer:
h=4 m=3
